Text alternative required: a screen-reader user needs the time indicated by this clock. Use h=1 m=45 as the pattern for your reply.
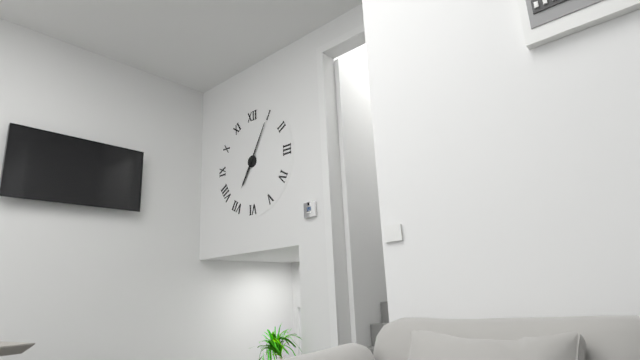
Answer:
h=7 m=5
